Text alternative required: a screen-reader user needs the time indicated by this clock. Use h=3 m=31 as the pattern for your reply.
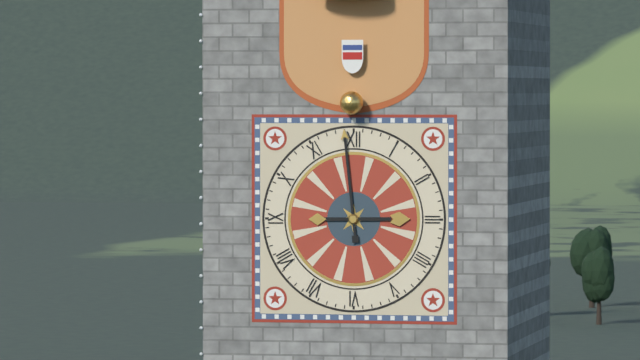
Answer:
h=2 m=59
